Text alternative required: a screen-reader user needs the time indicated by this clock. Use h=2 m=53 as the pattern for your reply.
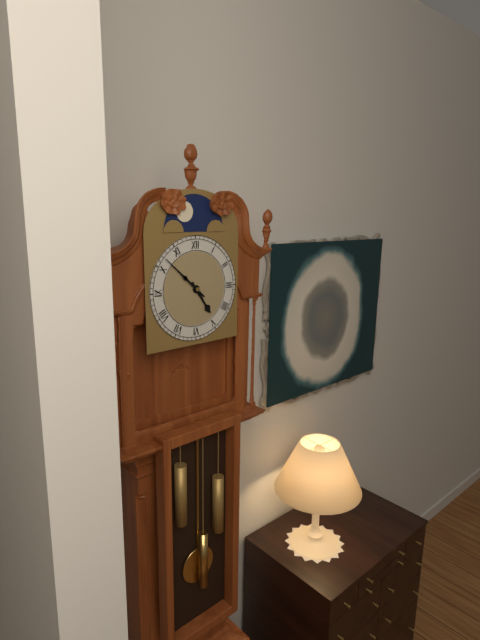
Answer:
h=4 m=52
